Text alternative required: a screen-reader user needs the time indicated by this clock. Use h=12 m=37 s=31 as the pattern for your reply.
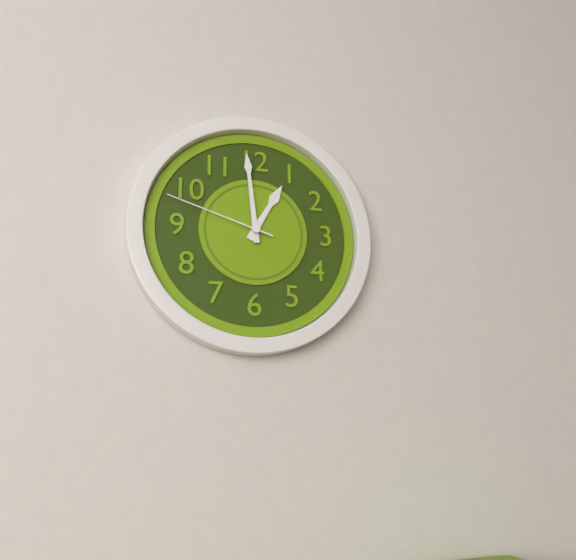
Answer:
h=12 m=59 s=48
